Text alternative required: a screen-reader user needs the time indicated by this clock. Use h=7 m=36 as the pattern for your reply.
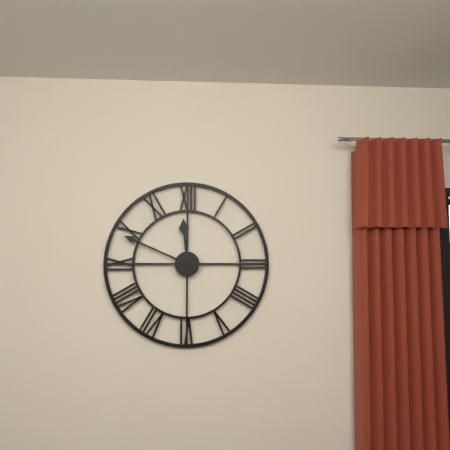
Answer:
h=11 m=49
